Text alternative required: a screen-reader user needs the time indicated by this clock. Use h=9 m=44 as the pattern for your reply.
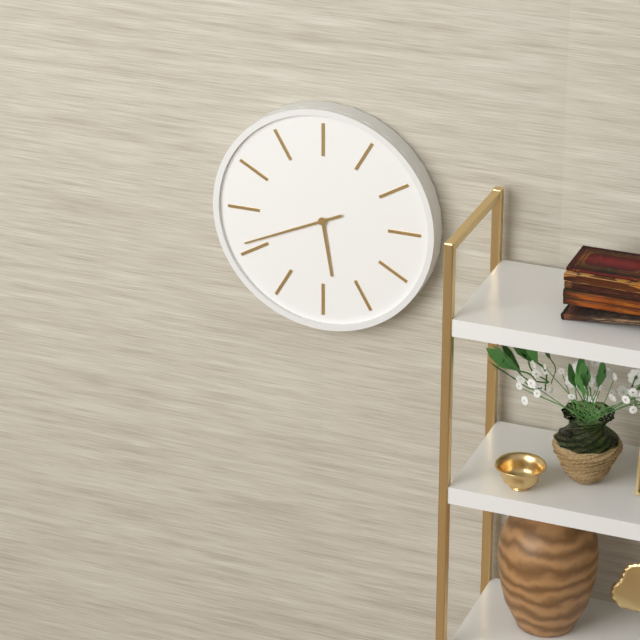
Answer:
h=5 m=41
